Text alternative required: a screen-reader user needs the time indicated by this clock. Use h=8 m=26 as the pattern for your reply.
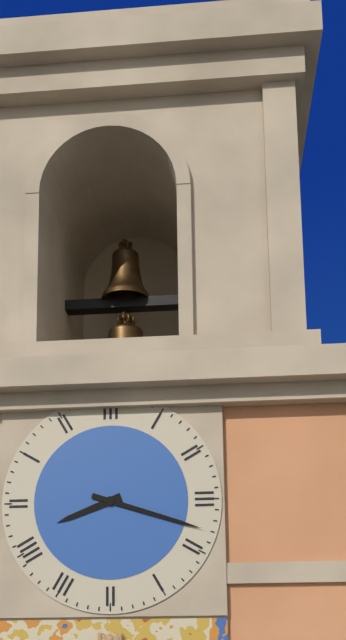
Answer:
h=8 m=18
